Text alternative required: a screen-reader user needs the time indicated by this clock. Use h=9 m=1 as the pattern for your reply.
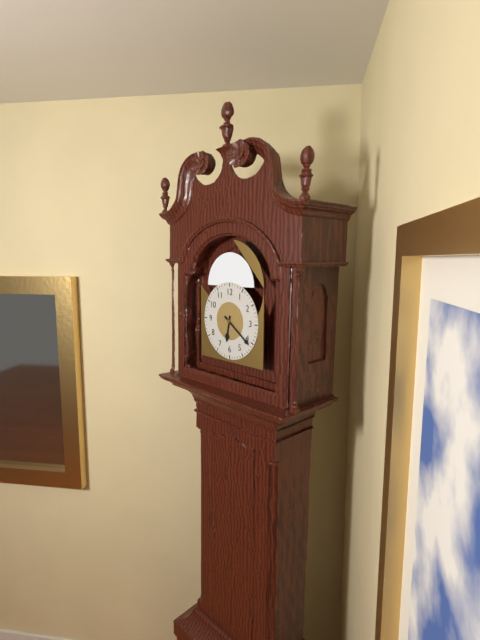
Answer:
h=6 m=21
